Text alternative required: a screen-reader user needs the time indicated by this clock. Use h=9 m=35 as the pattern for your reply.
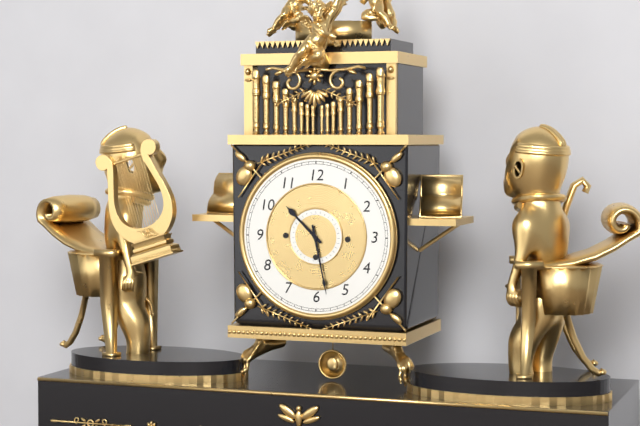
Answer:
h=10 m=28
